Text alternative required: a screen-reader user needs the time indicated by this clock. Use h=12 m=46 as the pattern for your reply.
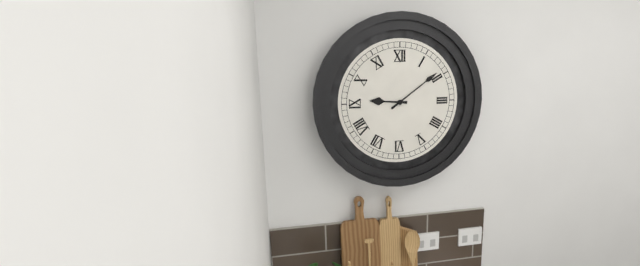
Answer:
h=9 m=9
